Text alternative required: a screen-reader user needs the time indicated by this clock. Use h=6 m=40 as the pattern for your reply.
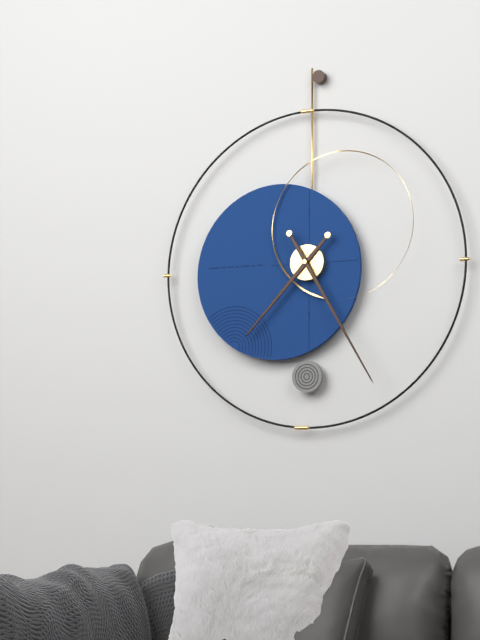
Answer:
h=7 m=25
